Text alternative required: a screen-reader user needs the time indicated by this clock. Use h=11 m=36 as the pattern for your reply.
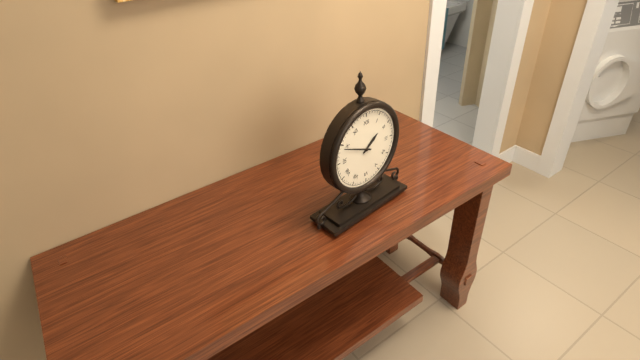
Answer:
h=1 m=49
